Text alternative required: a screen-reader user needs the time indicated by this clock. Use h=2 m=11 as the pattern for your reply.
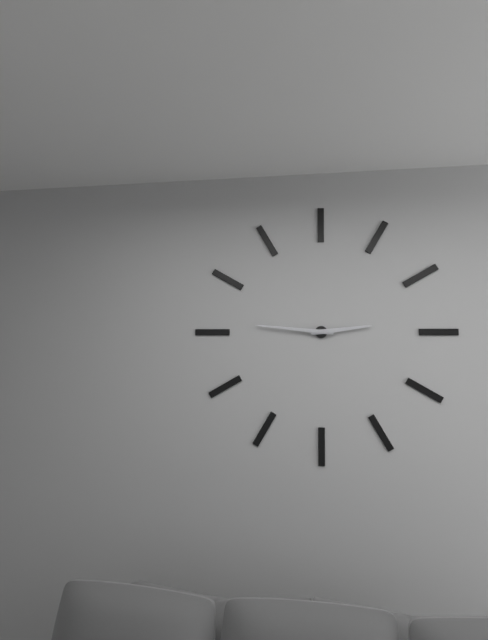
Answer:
h=2 m=46
